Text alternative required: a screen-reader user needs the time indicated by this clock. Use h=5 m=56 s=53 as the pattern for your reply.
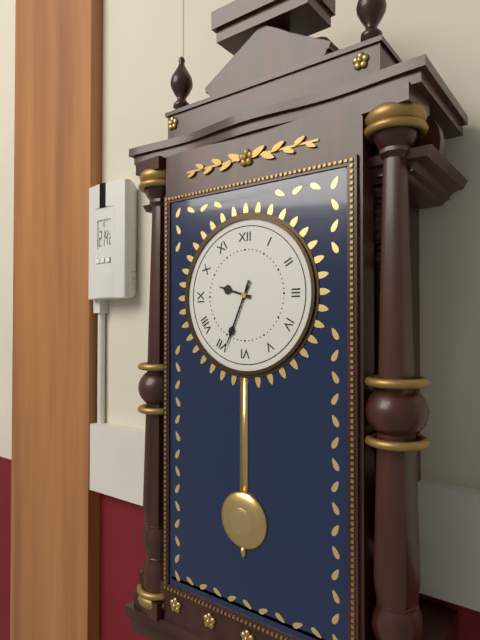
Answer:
h=9 m=34 s=34
